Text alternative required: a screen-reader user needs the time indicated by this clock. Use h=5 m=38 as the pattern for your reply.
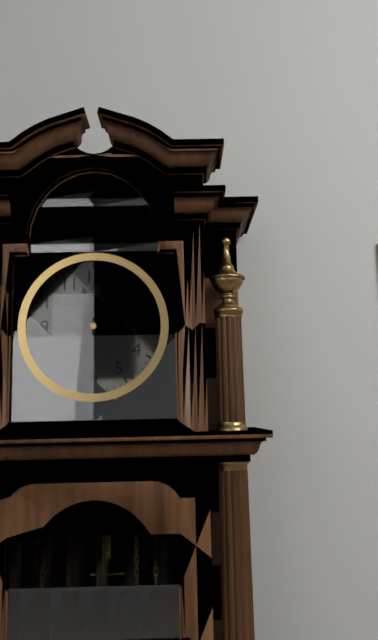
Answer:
h=11 m=30
